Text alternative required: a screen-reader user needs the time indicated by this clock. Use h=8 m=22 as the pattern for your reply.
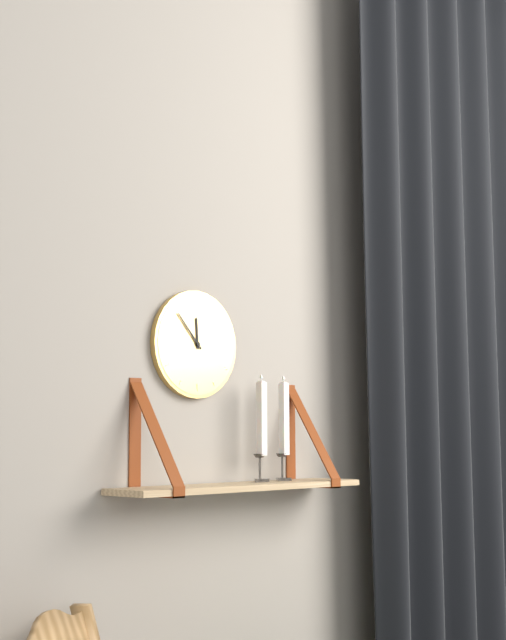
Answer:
h=11 m=53
